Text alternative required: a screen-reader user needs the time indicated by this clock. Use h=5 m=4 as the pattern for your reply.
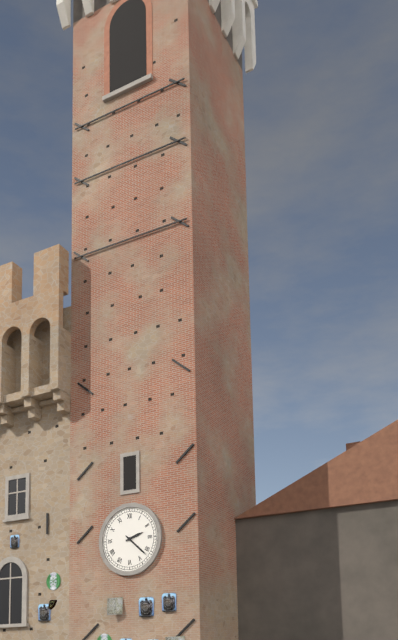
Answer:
h=2 m=22
